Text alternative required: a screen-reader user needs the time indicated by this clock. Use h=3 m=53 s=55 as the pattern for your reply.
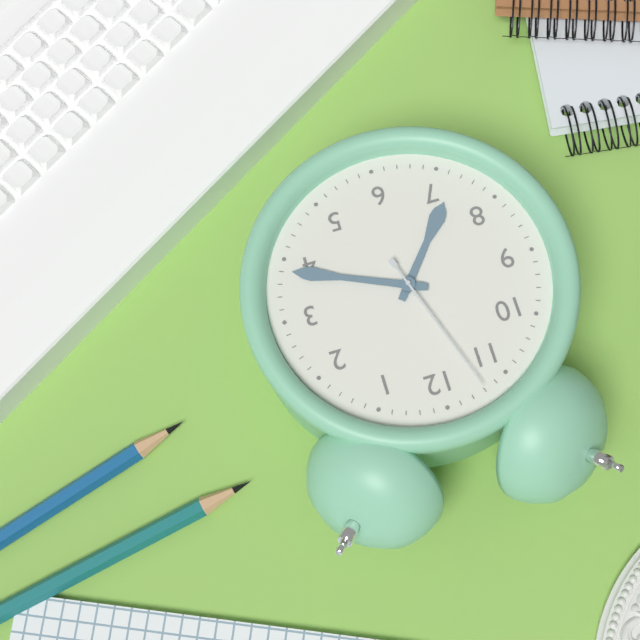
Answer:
h=7 m=19 s=57
